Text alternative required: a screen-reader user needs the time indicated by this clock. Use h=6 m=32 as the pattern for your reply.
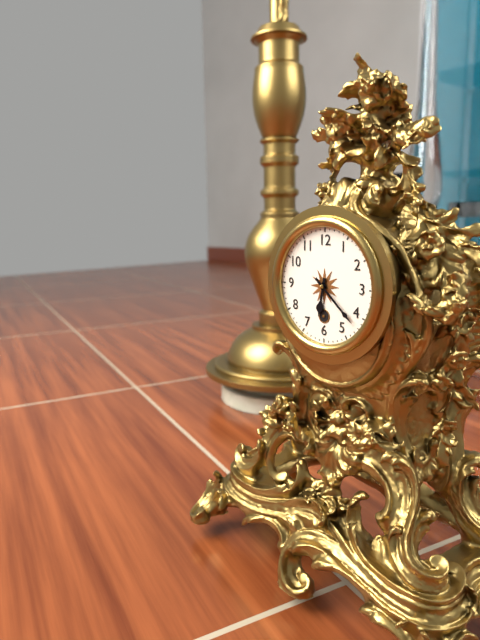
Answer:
h=6 m=22
